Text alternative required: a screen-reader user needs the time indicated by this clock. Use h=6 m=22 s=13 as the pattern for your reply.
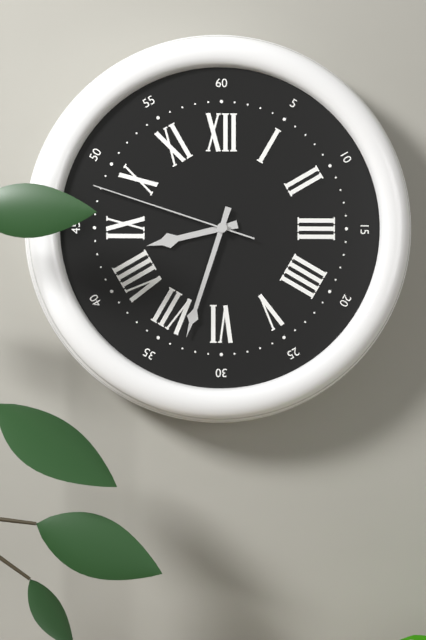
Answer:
h=8 m=33 s=48
